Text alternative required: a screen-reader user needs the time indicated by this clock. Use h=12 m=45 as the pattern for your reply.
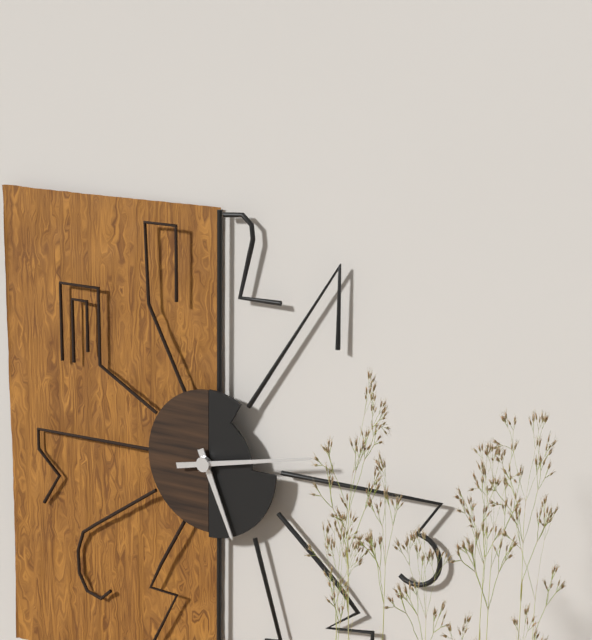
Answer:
h=5 m=13
